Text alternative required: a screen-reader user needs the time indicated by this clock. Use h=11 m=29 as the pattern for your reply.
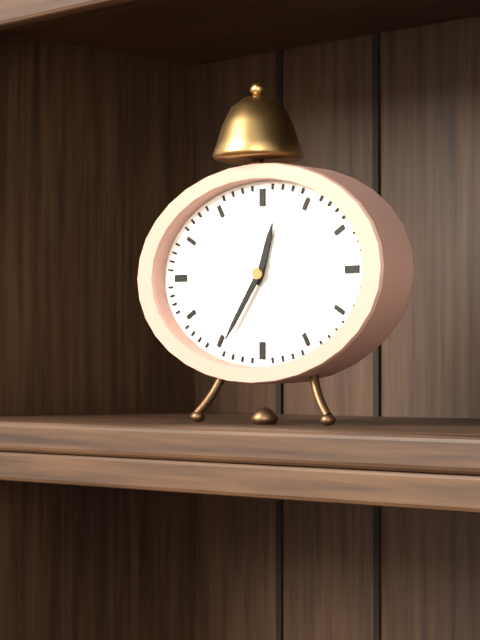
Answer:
h=12 m=36
